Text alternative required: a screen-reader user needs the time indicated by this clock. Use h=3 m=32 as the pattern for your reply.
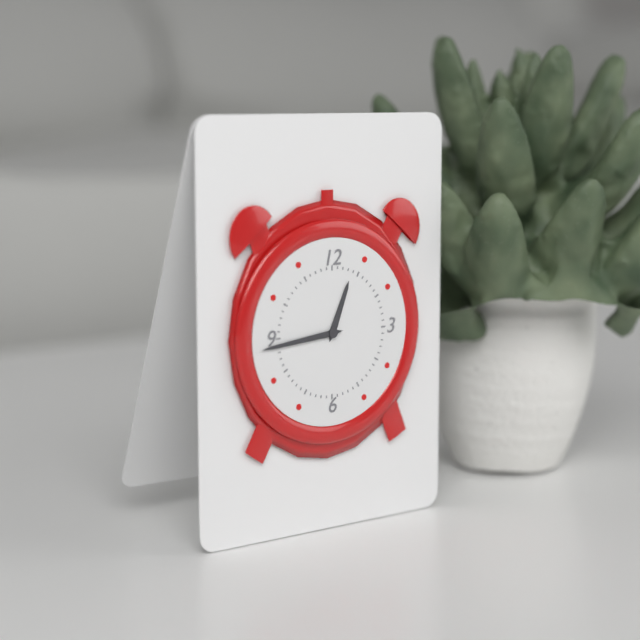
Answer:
h=12 m=44
